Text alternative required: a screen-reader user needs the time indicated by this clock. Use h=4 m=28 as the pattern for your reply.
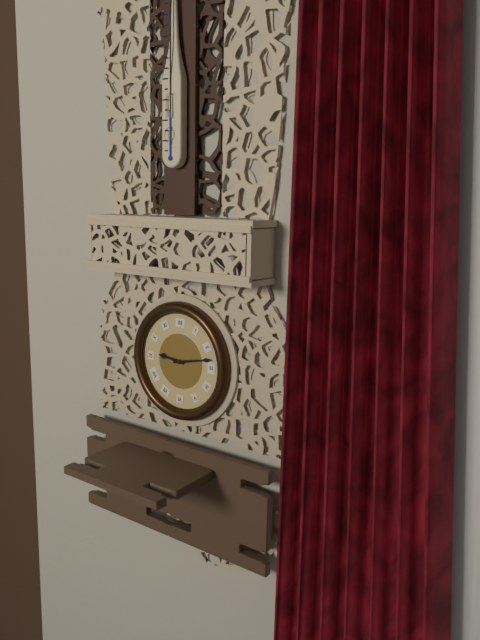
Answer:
h=9 m=13
